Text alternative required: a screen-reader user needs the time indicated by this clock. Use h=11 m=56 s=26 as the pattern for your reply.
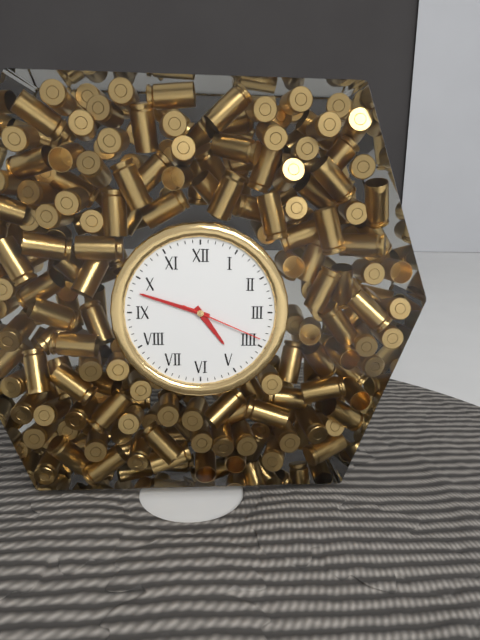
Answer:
h=4 m=48 s=19
